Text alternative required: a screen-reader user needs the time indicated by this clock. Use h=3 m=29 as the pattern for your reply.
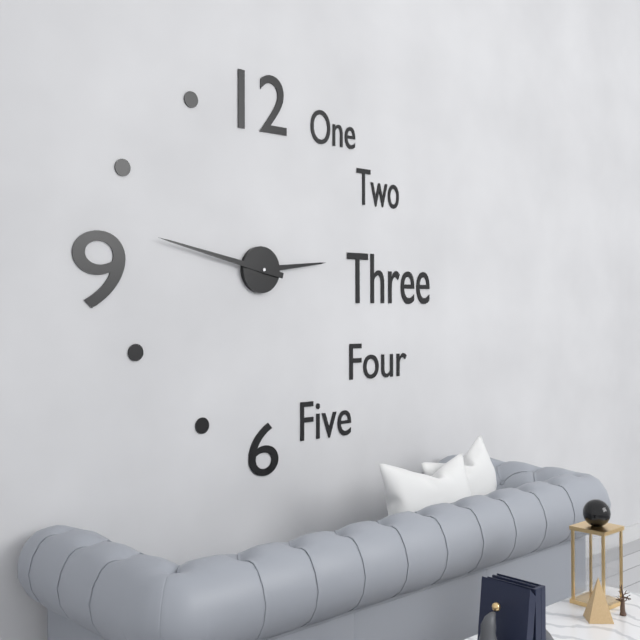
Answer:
h=2 m=47
